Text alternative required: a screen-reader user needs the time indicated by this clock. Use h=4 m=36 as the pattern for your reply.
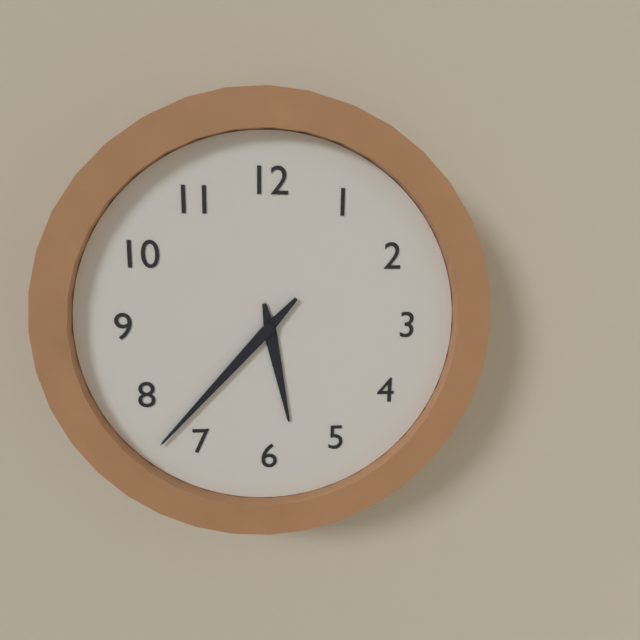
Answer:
h=5 m=37
